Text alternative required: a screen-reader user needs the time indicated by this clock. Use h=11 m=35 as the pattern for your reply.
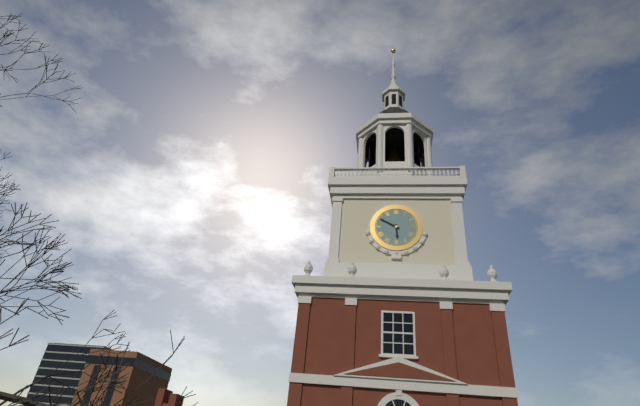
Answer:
h=5 m=50
